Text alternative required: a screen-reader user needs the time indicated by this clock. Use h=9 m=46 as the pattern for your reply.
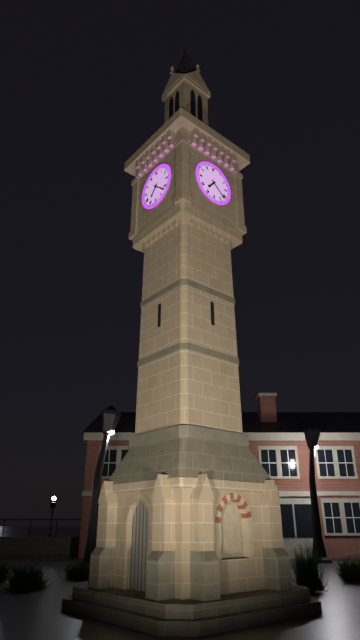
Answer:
h=7 m=22
